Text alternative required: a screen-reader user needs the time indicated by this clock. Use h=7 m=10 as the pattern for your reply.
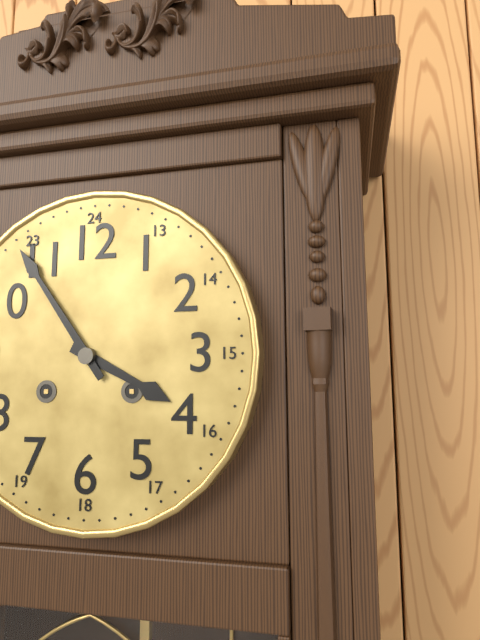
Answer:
h=3 m=54
